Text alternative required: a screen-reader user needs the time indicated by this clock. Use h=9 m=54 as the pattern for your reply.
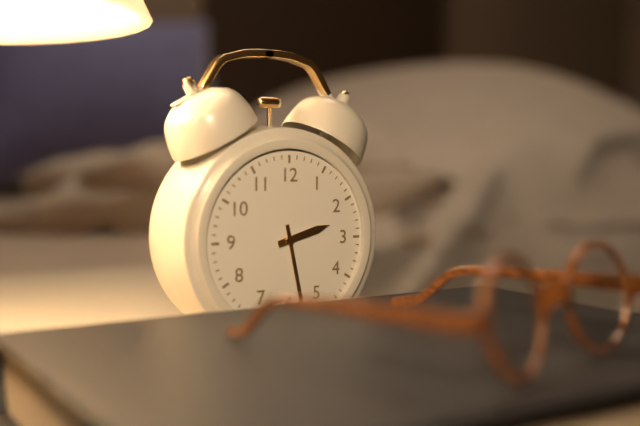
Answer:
h=2 m=28
